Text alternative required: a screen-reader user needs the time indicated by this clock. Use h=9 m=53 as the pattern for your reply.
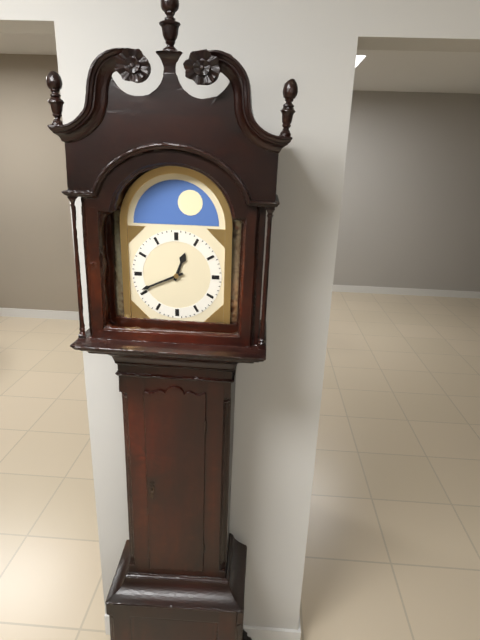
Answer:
h=12 m=41
